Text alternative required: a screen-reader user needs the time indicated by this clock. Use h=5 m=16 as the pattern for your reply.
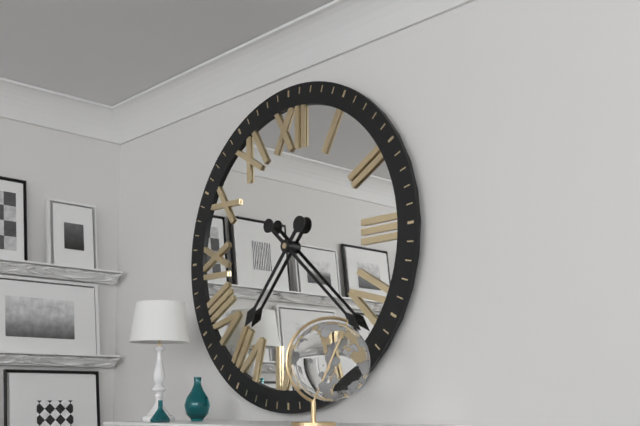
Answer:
h=7 m=22
